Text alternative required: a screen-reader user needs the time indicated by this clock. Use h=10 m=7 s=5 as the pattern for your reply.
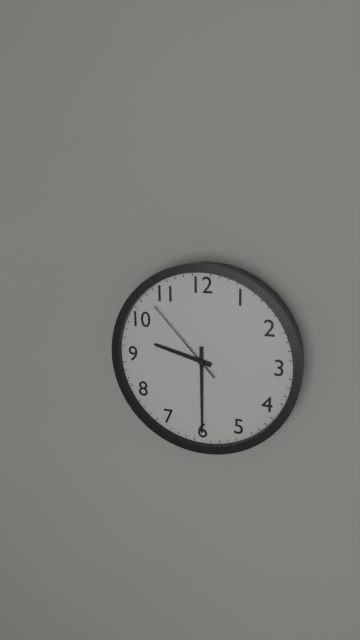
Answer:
h=9 m=30 s=53
